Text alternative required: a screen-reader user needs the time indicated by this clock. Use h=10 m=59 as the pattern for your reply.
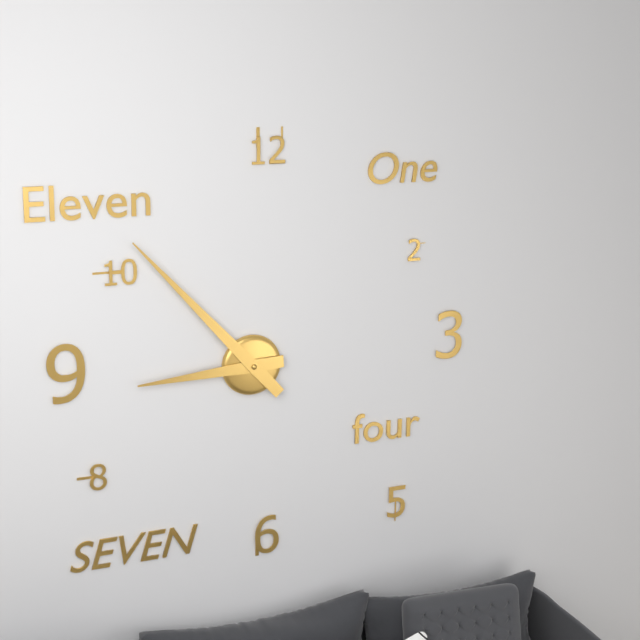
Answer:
h=8 m=53
